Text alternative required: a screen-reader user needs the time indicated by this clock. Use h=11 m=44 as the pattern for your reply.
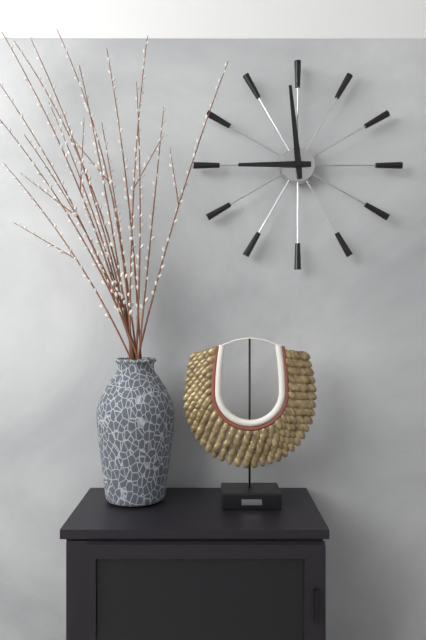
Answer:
h=8 m=59
